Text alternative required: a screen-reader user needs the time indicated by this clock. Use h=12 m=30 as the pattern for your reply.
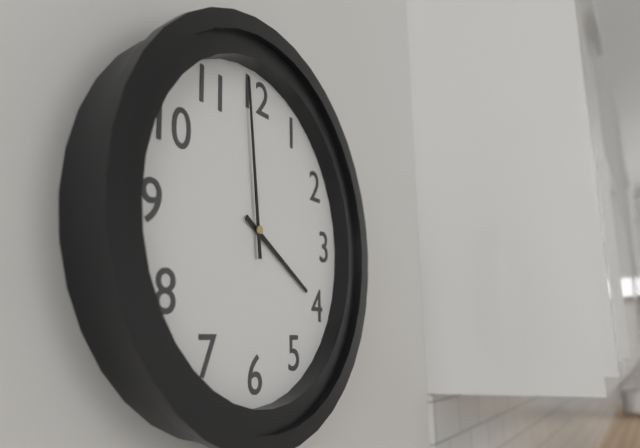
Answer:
h=3 m=59
